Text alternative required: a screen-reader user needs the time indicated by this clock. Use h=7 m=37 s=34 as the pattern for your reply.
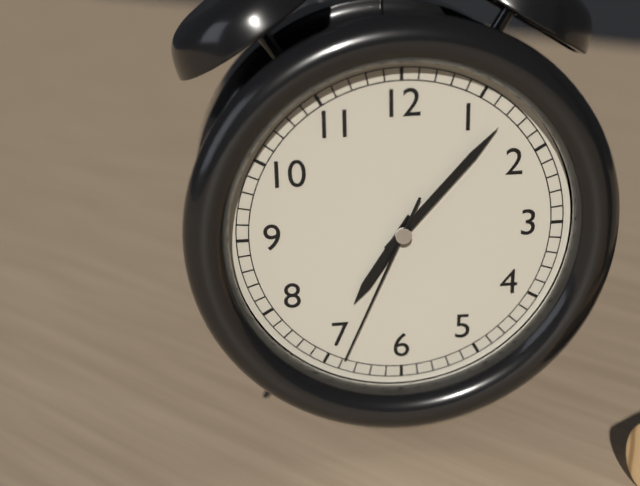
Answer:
h=7 m=7 s=34
